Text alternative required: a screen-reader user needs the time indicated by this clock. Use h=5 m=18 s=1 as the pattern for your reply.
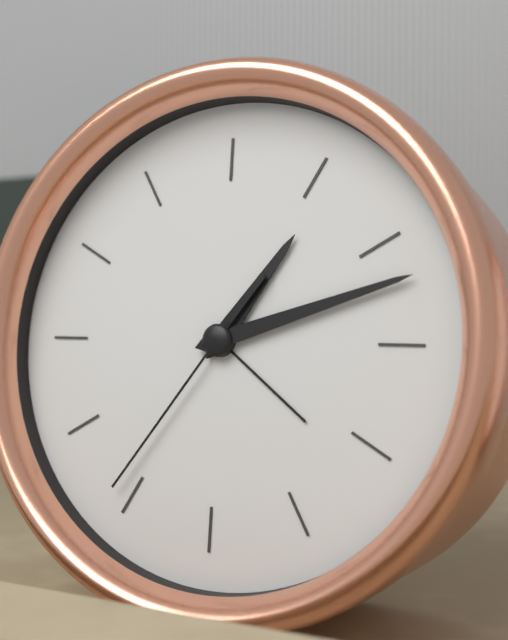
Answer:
h=1 m=12 s=36
